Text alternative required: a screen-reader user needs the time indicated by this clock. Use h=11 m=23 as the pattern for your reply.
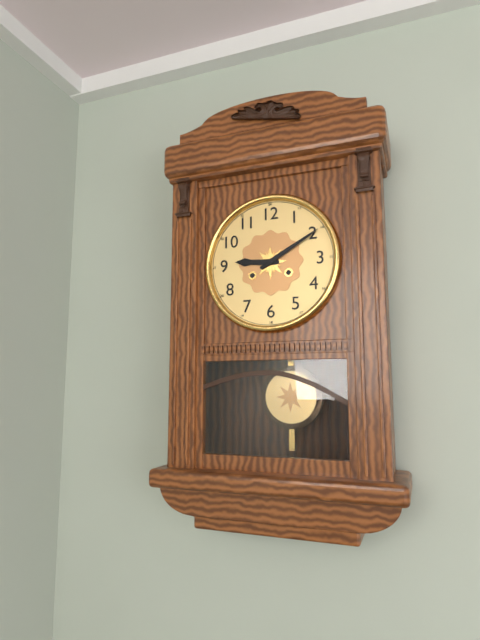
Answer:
h=9 m=10
